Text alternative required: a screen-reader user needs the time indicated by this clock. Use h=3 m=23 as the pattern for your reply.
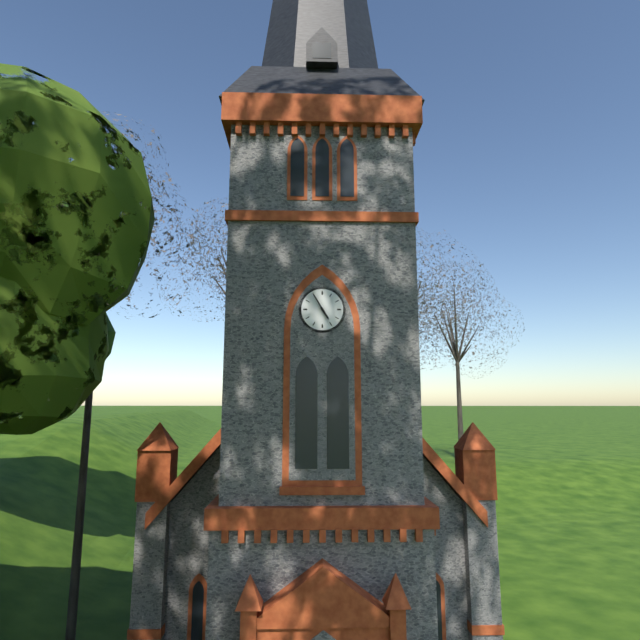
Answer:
h=4 m=55
